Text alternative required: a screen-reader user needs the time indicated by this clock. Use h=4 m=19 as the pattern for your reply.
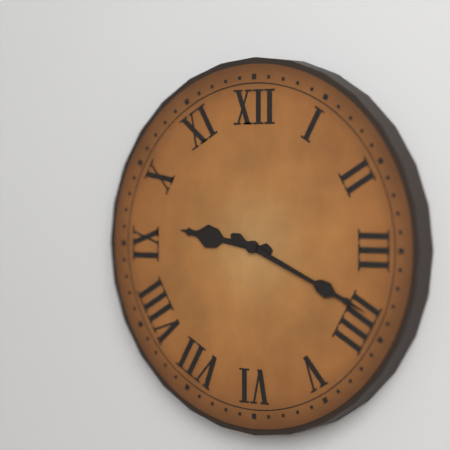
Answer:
h=9 m=19
